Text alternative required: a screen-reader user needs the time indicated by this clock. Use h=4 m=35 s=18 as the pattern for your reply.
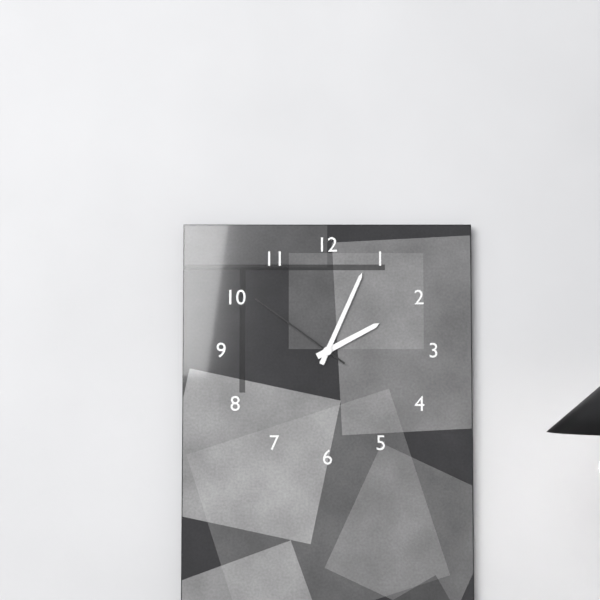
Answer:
h=2 m=4 s=51
